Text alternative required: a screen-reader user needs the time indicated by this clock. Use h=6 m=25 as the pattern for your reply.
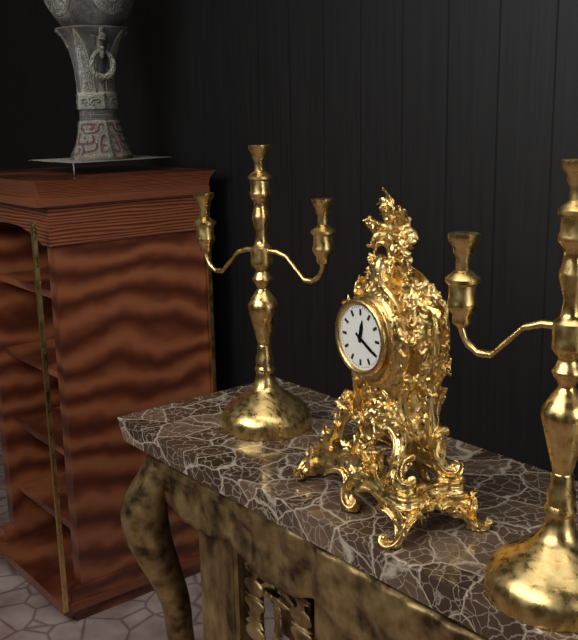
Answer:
h=12 m=20
